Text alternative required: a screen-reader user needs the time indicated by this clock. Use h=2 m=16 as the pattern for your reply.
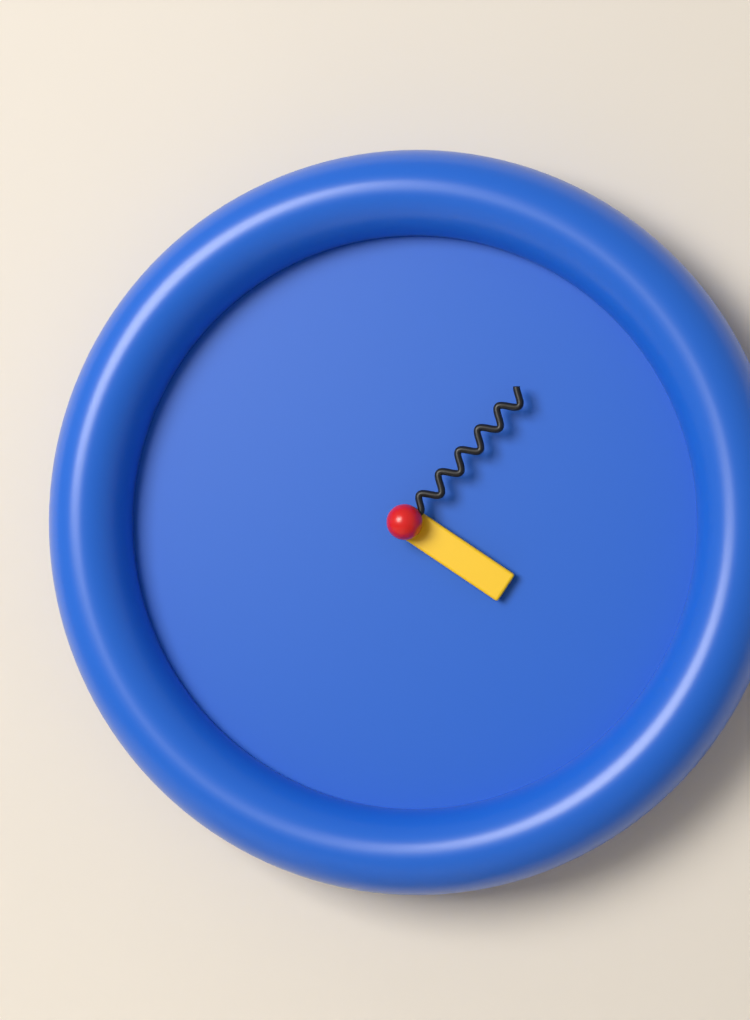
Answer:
h=4 m=7
